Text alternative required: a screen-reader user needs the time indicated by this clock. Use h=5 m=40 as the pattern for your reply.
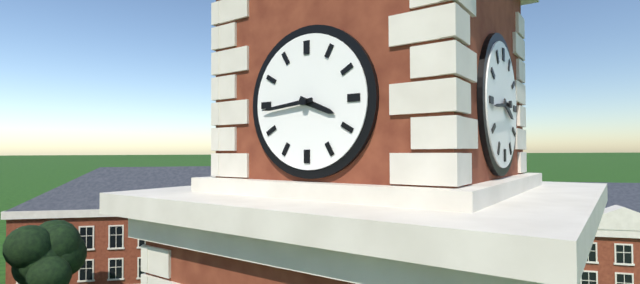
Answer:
h=3 m=44
